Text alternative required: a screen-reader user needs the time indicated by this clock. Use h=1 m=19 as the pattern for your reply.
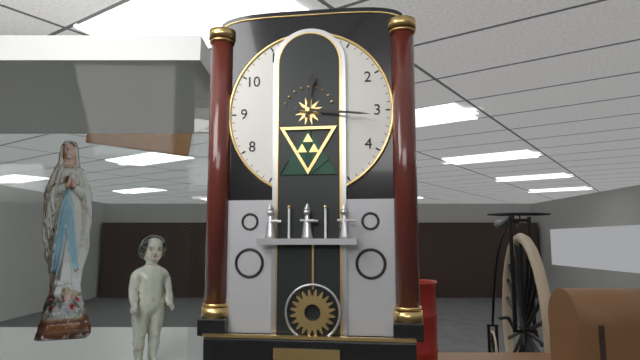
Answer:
h=12 m=16
